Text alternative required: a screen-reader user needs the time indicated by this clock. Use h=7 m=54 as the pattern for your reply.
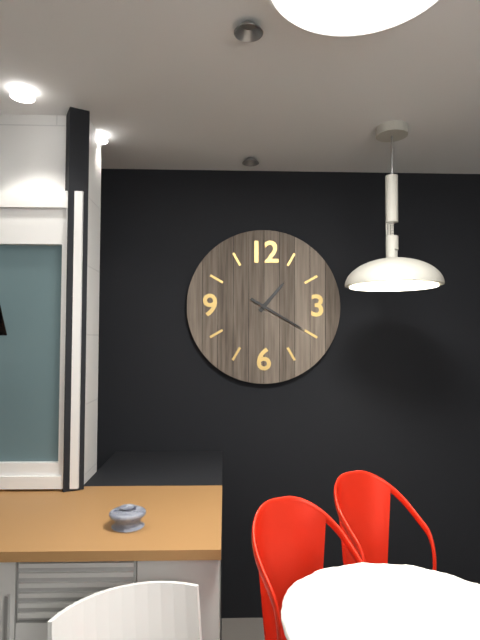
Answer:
h=1 m=20
